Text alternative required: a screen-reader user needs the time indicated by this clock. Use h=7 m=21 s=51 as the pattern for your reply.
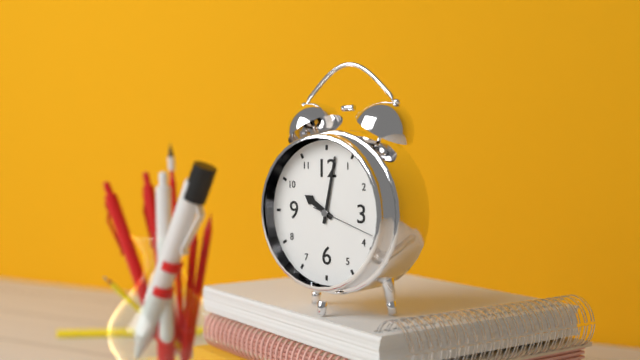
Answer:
h=10 m=2 s=18
